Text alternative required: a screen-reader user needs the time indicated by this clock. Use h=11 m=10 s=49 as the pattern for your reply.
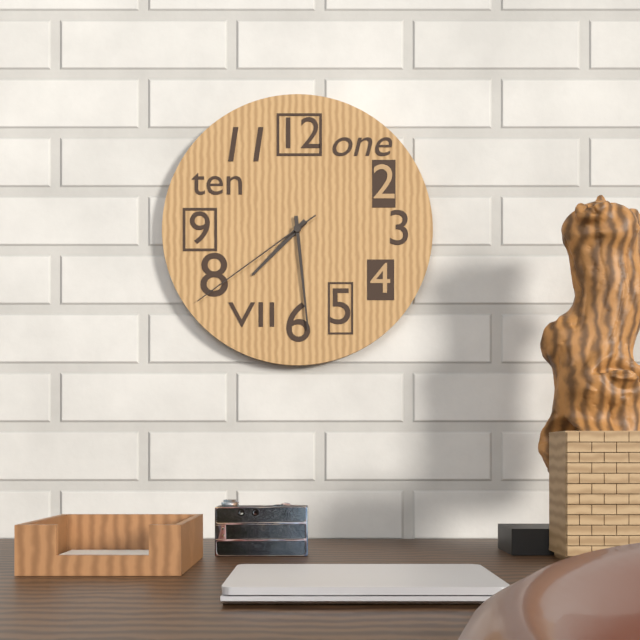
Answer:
h=7 m=29 s=39
